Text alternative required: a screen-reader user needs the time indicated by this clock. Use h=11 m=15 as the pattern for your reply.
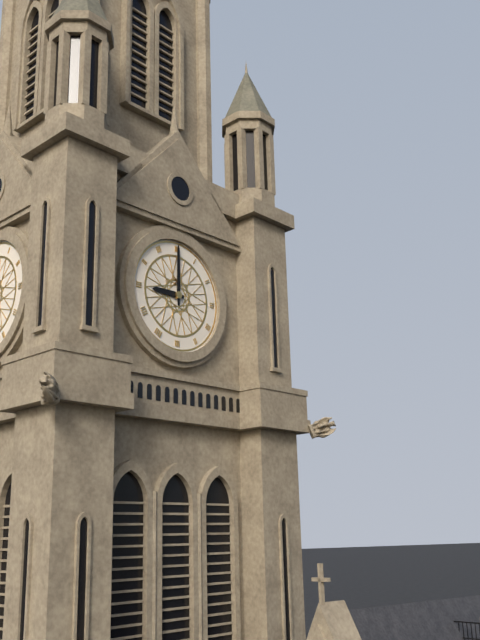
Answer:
h=9 m=0
